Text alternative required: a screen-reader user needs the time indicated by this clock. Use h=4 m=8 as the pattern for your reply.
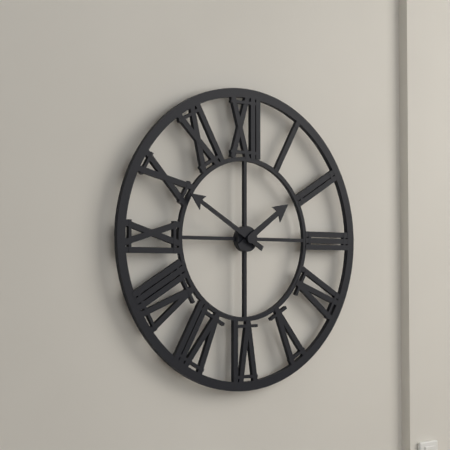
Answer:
h=1 m=50
